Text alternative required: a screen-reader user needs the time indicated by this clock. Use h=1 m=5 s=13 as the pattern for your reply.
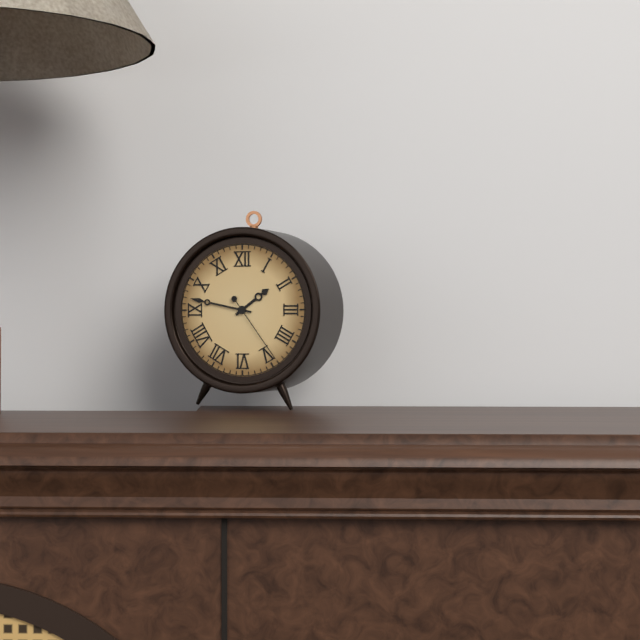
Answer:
h=1 m=47 s=24
